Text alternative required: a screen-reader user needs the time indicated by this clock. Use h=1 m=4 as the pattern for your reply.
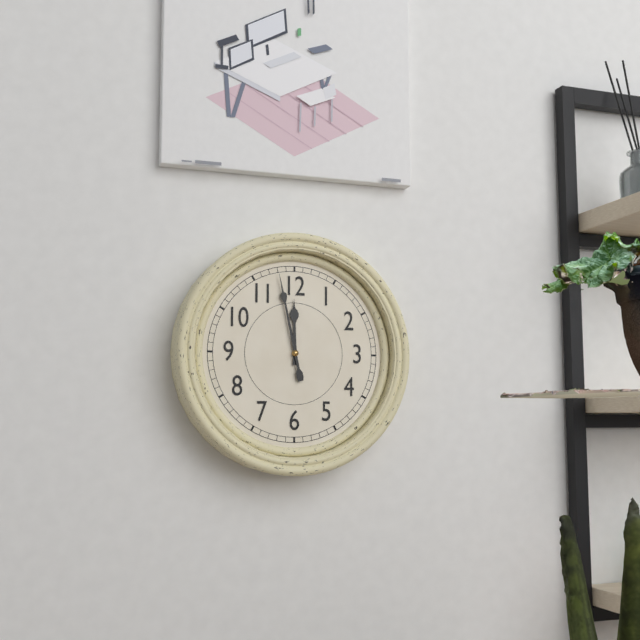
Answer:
h=11 m=58
